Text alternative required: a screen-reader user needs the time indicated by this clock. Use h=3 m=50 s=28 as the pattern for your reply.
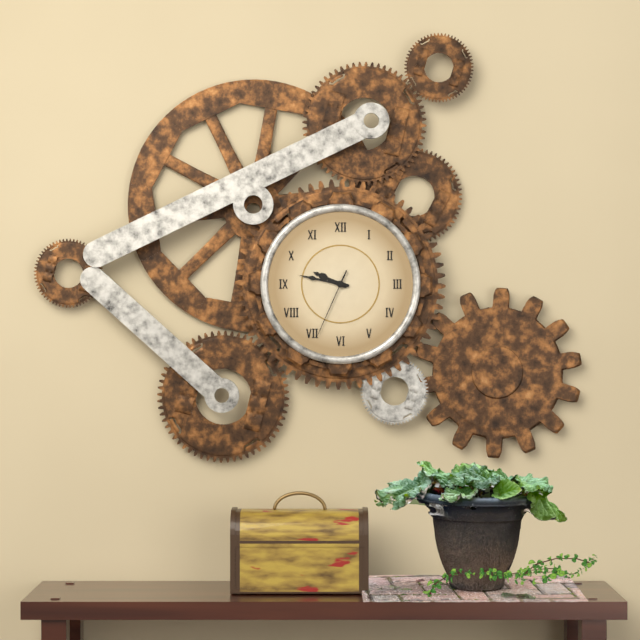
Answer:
h=9 m=47 s=34
